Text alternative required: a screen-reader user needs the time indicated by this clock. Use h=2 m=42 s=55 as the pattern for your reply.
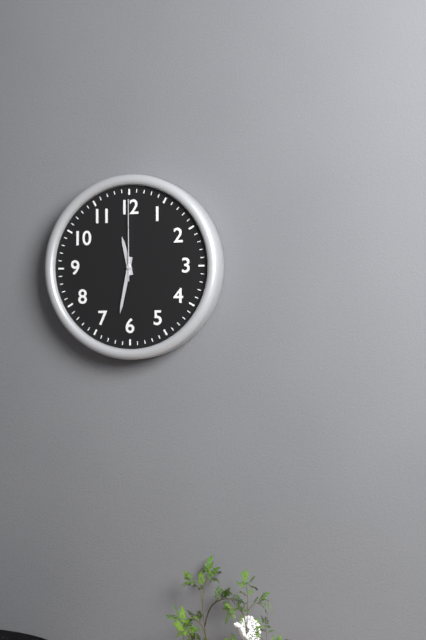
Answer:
h=11 m=32 s=0
